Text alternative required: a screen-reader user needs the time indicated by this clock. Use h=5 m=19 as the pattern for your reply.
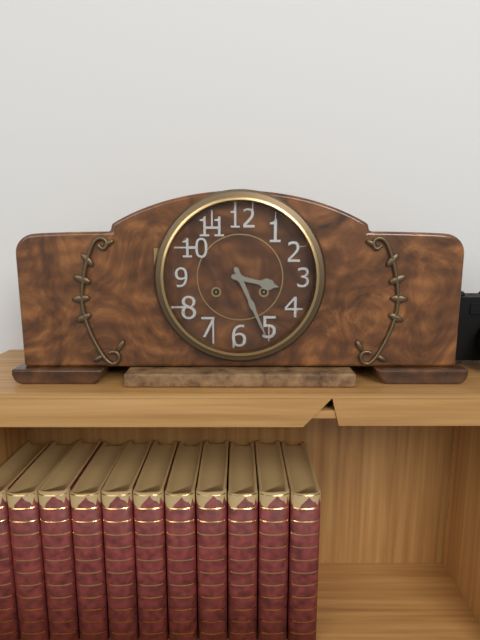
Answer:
h=3 m=26
